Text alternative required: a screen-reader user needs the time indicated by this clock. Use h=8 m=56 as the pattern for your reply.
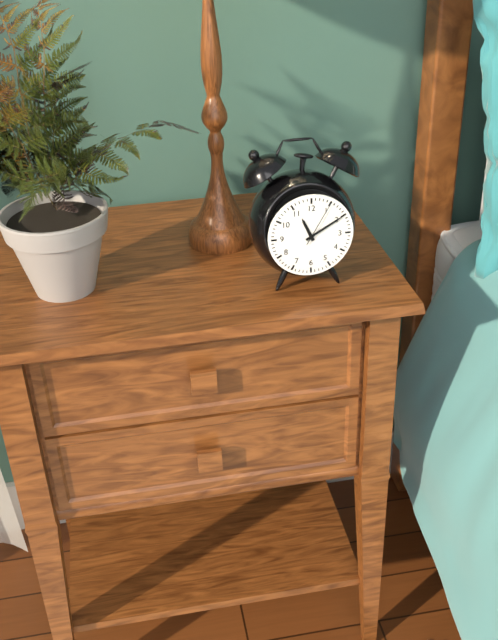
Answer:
h=11 m=10
